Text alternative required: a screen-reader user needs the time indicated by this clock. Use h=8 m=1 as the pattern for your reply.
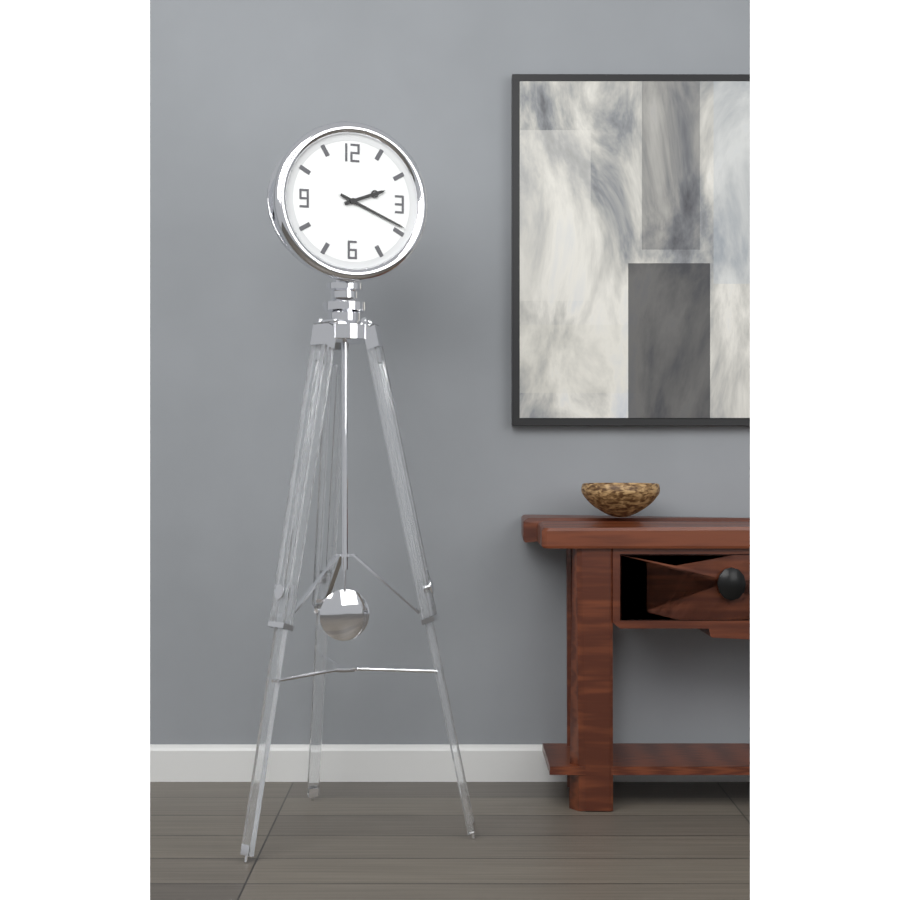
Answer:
h=2 m=19
